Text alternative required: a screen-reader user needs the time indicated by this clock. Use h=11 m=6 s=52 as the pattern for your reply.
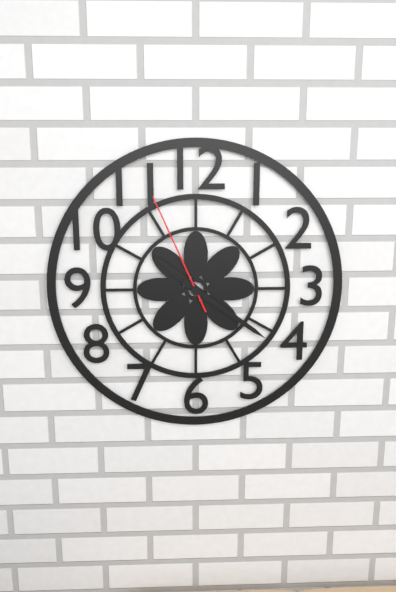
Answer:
h=10 m=21 s=56
